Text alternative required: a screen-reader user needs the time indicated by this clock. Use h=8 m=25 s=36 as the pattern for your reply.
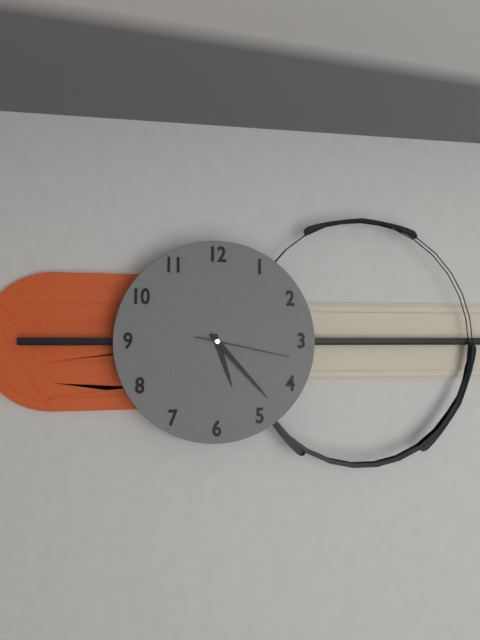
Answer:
h=5 m=23 s=17
